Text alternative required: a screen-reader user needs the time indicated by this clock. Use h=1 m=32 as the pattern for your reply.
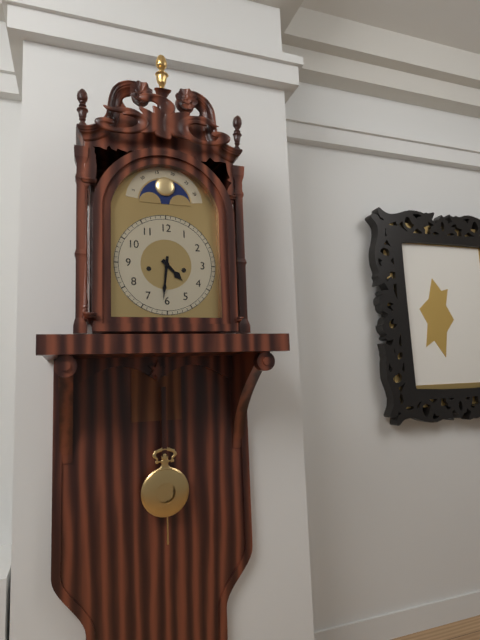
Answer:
h=4 m=31
